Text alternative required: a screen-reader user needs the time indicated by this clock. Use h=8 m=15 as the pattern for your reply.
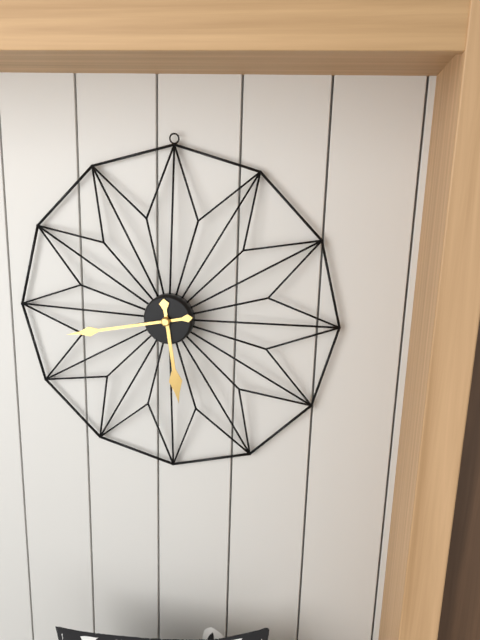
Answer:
h=5 m=43
